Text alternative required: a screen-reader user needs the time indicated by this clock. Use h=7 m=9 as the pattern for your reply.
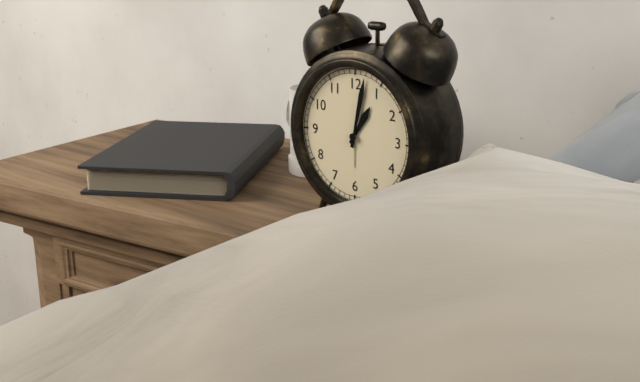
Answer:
h=1 m=2
